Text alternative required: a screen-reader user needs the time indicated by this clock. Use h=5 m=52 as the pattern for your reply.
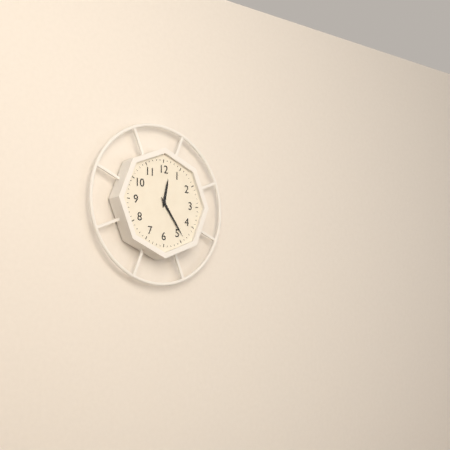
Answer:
h=12 m=24
